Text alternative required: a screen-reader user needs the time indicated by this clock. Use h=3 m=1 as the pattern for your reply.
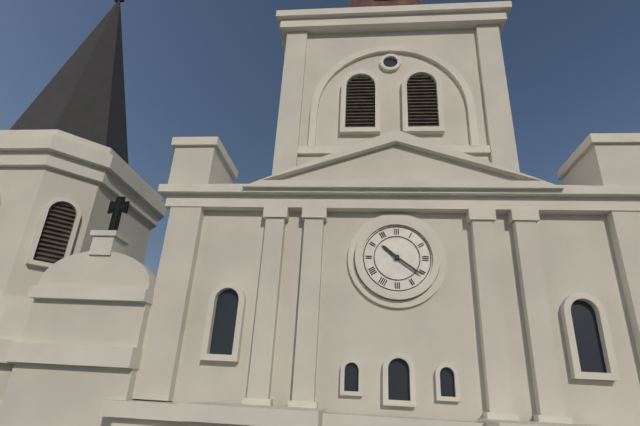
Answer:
h=10 m=21
